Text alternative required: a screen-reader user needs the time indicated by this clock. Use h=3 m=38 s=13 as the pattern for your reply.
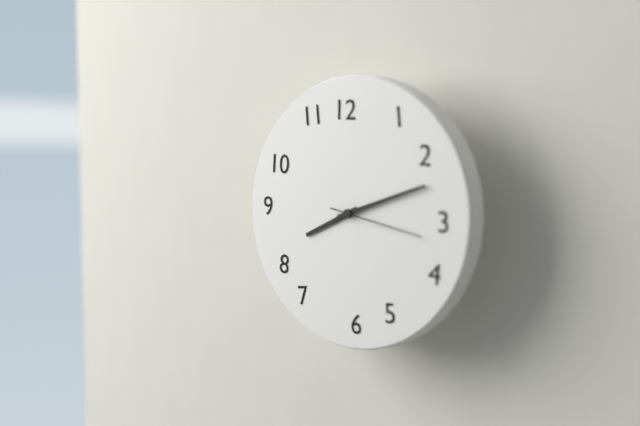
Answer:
h=8 m=12 s=17
